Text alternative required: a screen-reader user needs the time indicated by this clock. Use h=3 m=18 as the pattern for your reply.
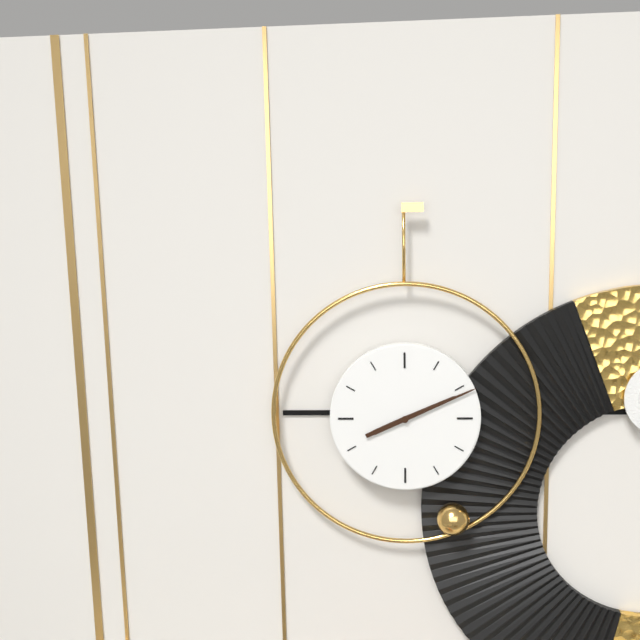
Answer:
h=2 m=11
